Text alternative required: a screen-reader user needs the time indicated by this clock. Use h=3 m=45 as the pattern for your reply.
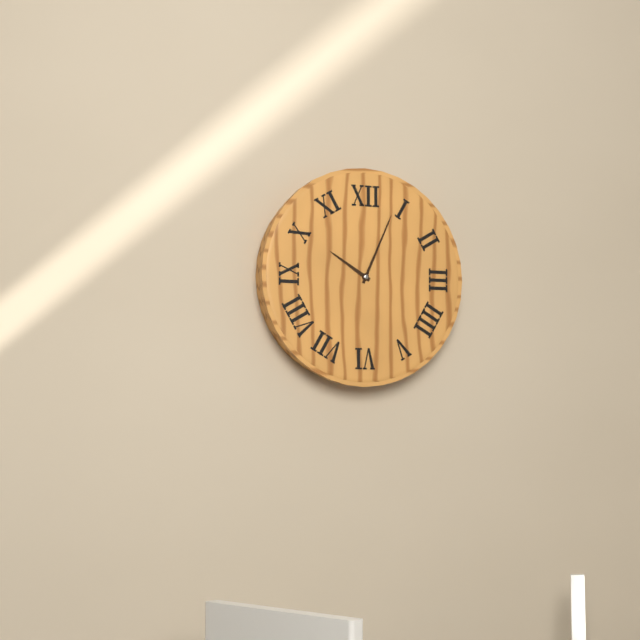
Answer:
h=10 m=4
